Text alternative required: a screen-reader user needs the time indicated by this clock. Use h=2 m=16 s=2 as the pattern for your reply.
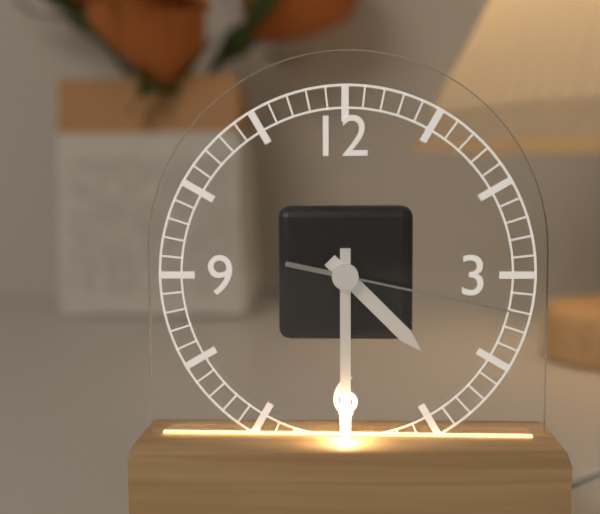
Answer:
h=4 m=30 s=17
